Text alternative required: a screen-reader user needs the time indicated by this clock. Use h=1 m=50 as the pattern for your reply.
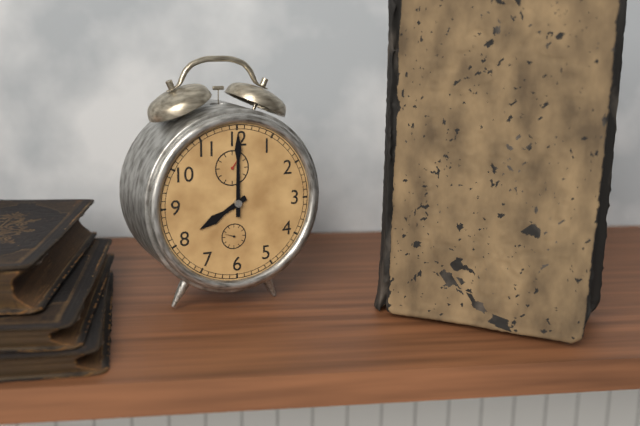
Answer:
h=8 m=0
